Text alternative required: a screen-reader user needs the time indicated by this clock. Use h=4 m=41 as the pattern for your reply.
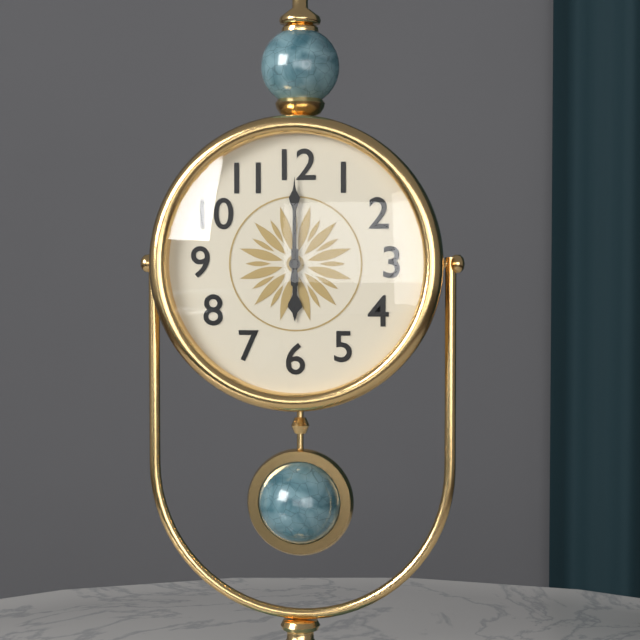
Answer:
h=6 m=0
